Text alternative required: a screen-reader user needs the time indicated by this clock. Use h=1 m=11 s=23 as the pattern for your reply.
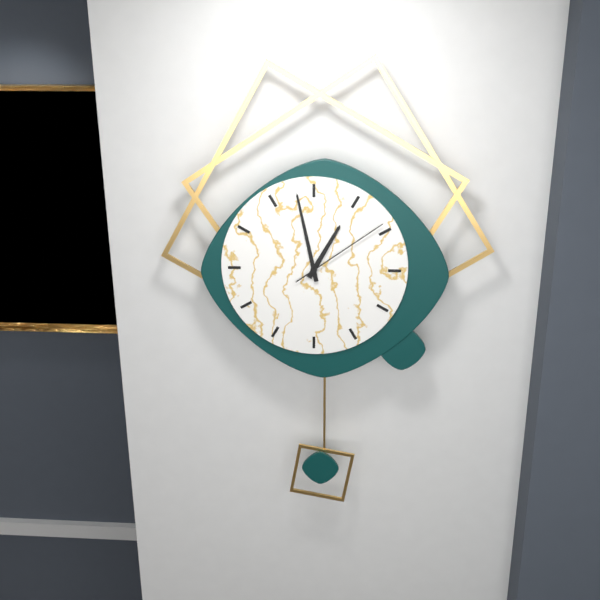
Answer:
h=12 m=58 s=9
